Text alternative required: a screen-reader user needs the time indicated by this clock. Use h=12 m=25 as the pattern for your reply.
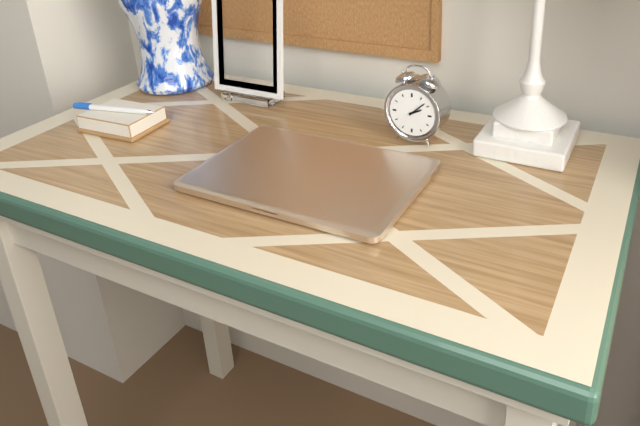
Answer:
h=2 m=8
